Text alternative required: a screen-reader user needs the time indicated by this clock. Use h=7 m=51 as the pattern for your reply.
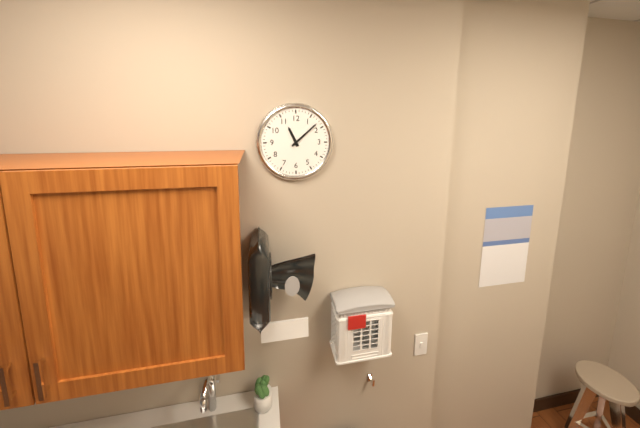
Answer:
h=11 m=8
